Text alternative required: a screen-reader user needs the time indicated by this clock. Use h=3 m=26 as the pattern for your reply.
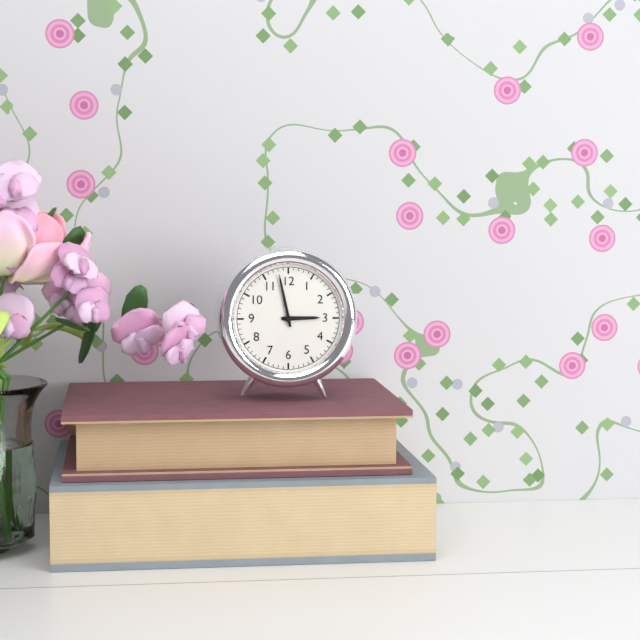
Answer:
h=2 m=58
